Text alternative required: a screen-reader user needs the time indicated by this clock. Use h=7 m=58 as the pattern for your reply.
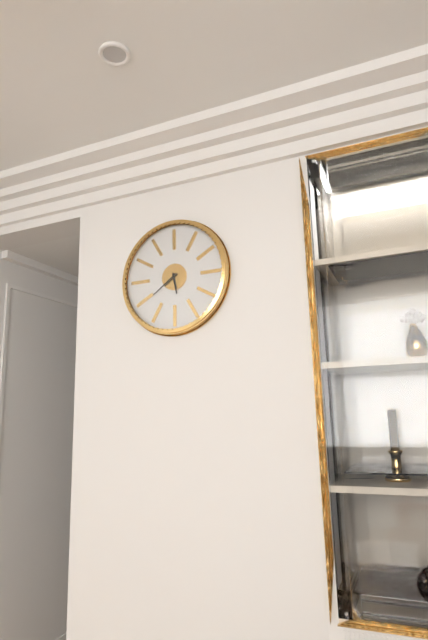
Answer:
h=5 m=39
